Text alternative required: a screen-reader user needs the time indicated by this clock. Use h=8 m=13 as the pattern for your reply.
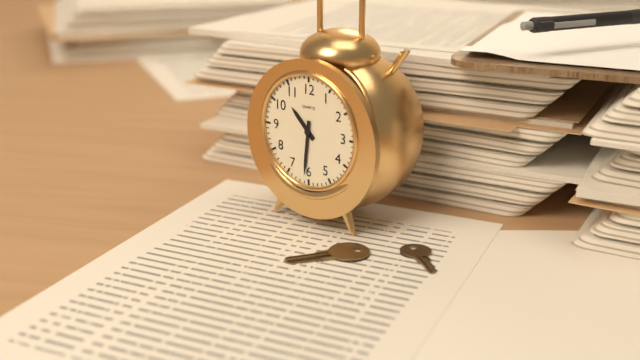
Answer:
h=10 m=31
